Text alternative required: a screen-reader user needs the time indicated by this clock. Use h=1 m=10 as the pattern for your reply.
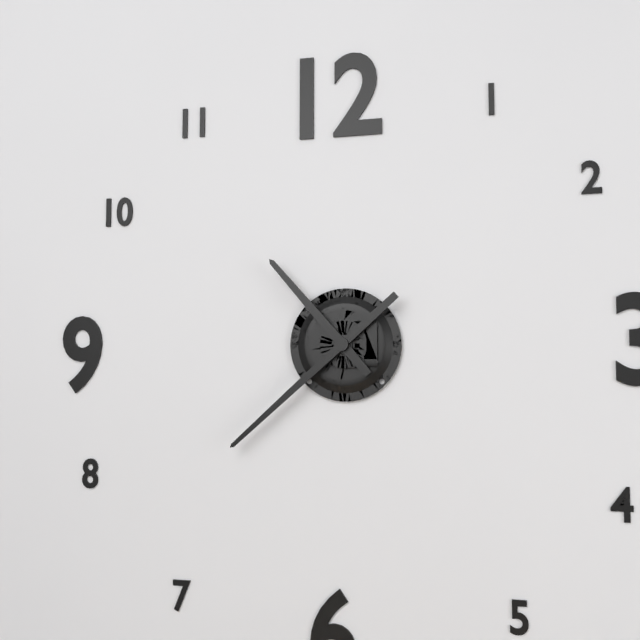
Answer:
h=10 m=38
